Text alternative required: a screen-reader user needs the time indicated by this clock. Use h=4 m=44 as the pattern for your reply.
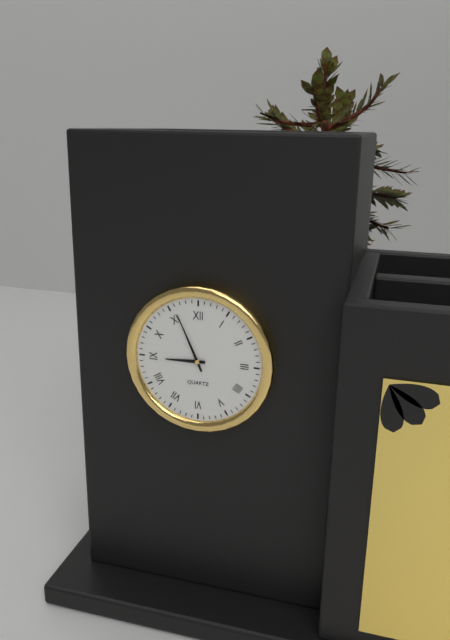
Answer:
h=8 m=56
